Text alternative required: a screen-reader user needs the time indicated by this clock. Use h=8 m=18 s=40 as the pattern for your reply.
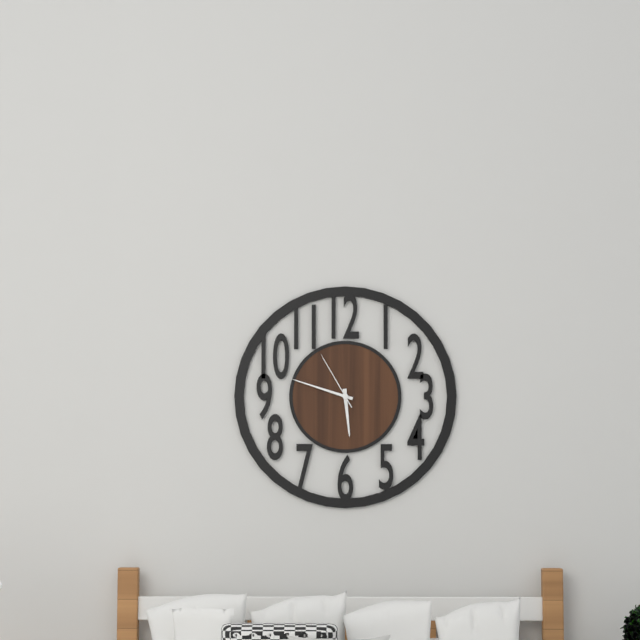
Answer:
h=5 m=48 s=55
